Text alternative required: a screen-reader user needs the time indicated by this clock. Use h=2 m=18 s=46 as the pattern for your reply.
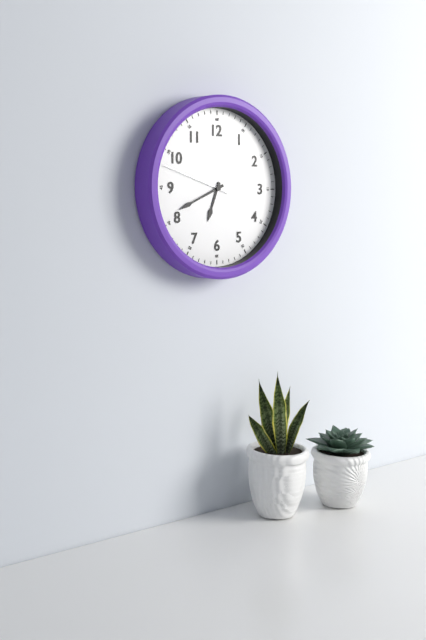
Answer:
h=6 m=41 s=48
